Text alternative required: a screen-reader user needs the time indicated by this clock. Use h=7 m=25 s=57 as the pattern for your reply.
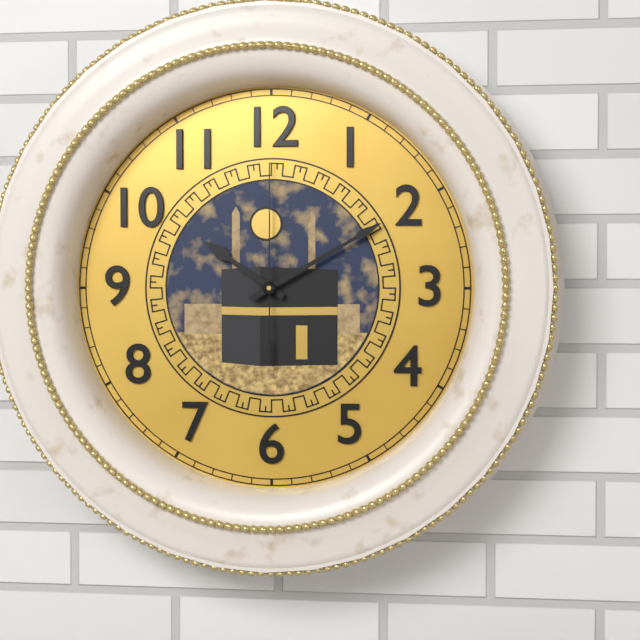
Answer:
h=10 m=10 s=0
